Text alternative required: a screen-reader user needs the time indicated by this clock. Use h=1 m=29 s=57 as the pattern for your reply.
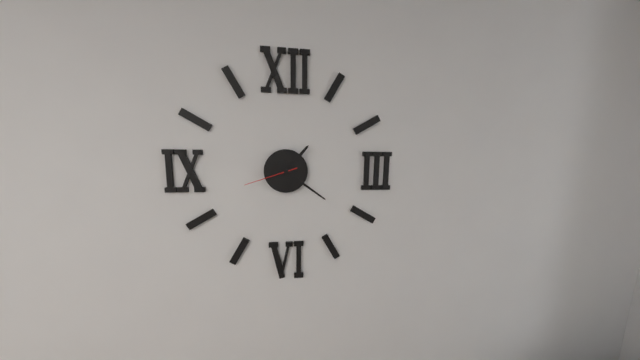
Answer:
h=1 m=21 s=42
